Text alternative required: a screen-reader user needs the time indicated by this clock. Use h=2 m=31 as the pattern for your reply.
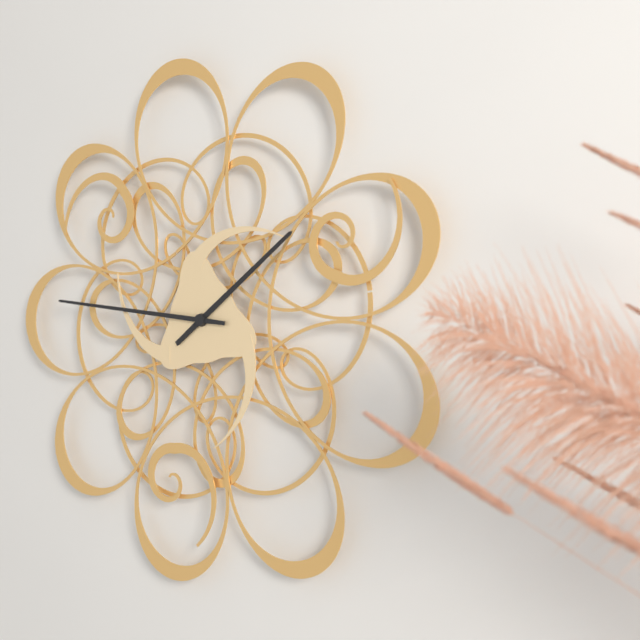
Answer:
h=1 m=46
